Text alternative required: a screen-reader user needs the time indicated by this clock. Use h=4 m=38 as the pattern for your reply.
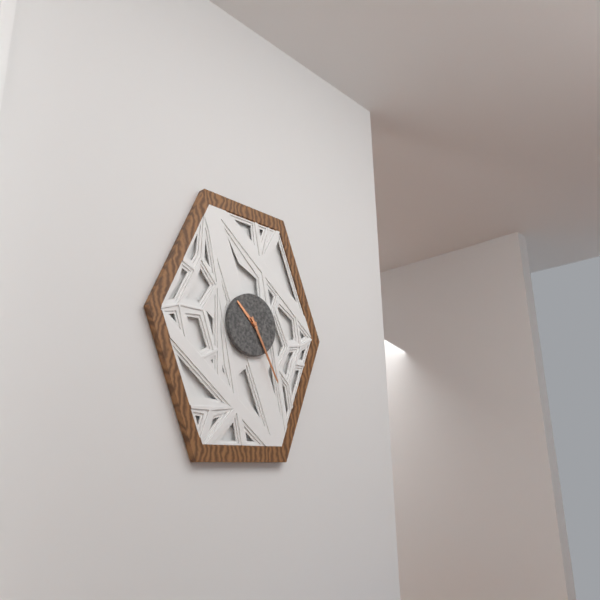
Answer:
h=10 m=25
